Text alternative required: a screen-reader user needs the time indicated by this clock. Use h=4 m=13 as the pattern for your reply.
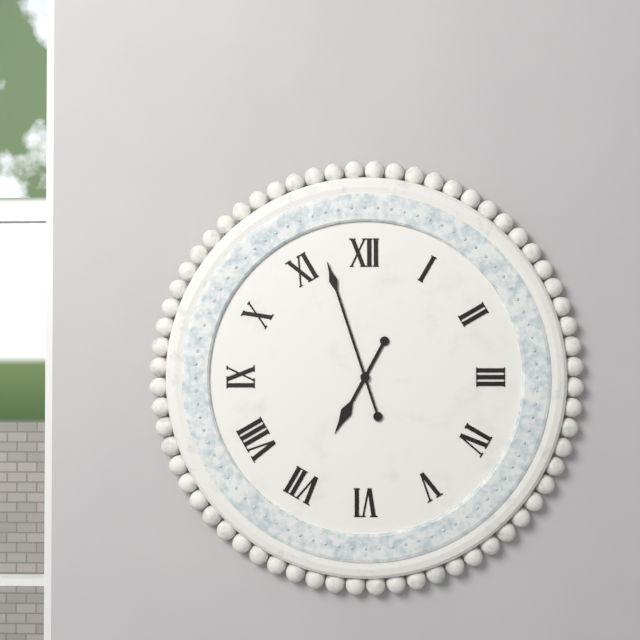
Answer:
h=6 m=57
